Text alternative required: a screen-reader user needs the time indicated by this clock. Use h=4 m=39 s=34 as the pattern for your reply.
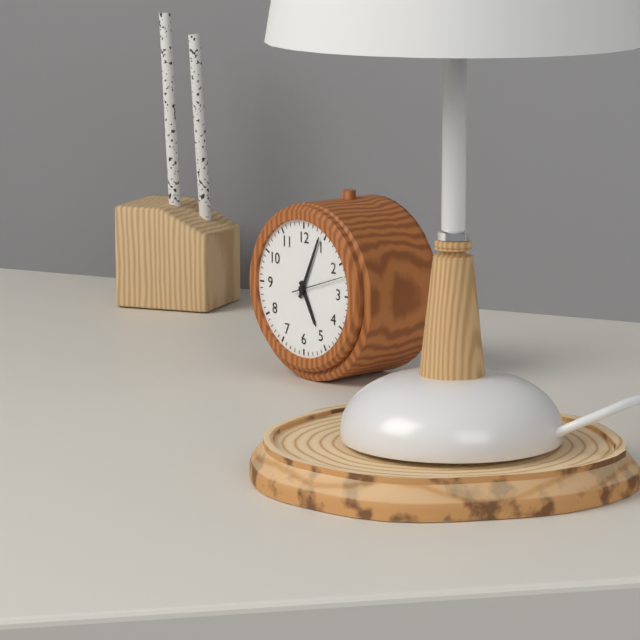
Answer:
h=5 m=4 s=12
